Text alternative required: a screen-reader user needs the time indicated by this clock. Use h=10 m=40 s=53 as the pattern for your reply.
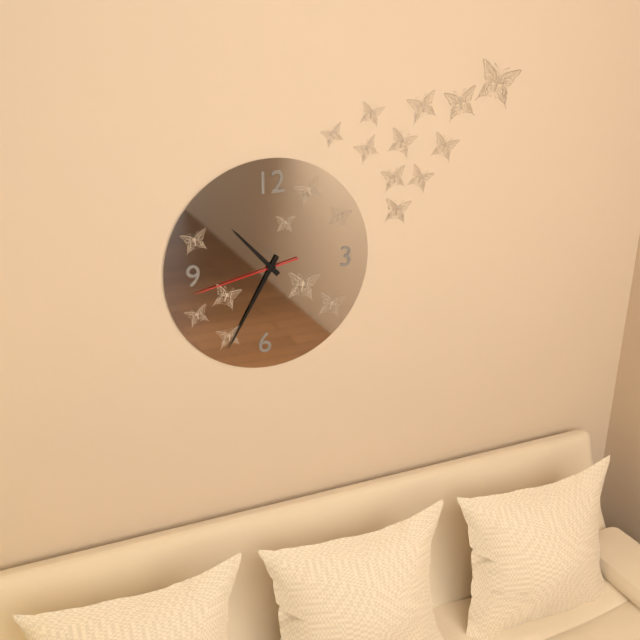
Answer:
h=10 m=35 s=43
